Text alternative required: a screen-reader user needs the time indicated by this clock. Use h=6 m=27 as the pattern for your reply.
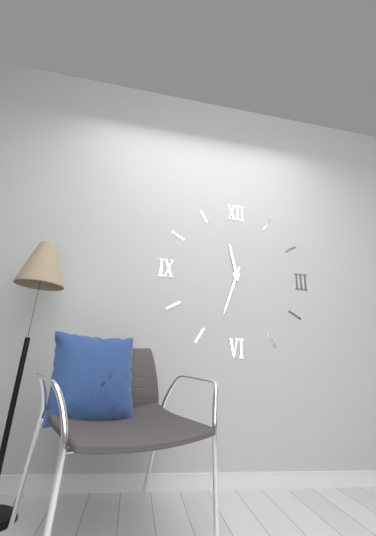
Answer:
h=11 m=33
